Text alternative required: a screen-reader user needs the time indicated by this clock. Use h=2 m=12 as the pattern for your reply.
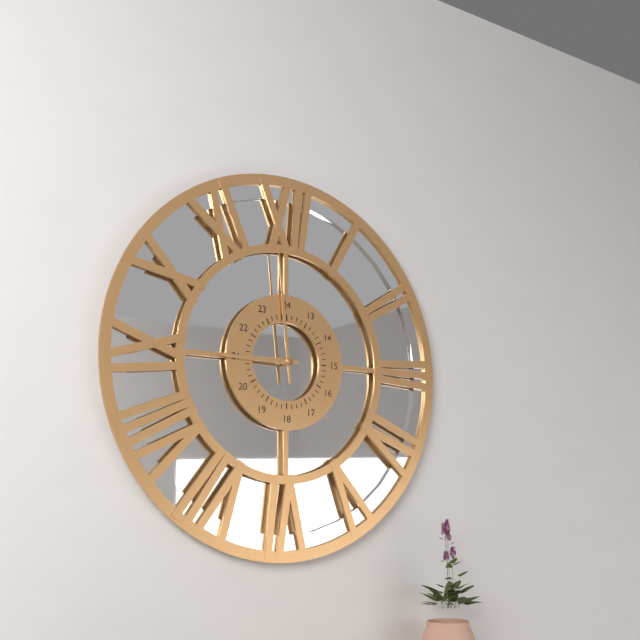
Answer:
h=8 m=59
